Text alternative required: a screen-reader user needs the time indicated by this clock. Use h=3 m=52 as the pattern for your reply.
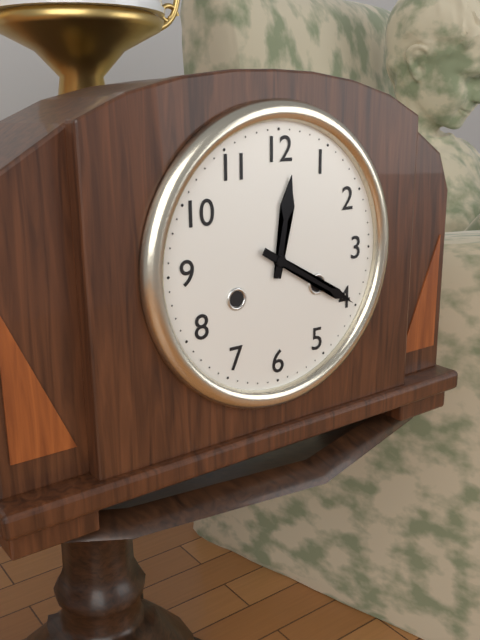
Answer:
h=12 m=20
